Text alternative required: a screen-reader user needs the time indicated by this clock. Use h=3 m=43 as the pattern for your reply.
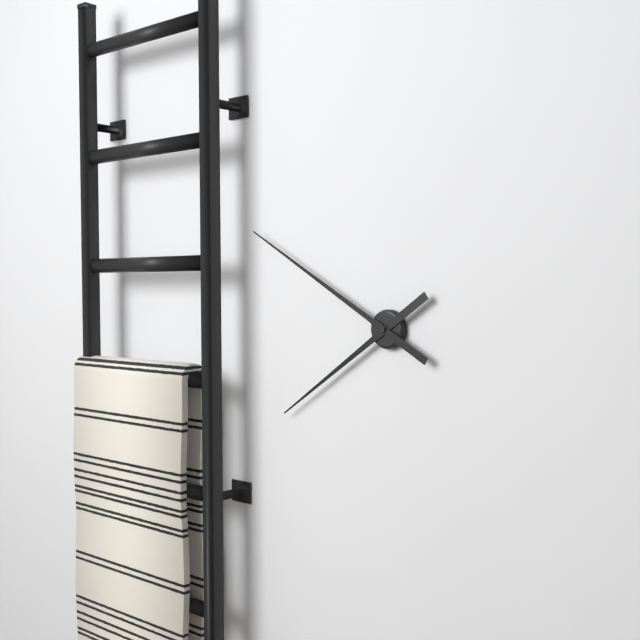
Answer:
h=7 m=50
